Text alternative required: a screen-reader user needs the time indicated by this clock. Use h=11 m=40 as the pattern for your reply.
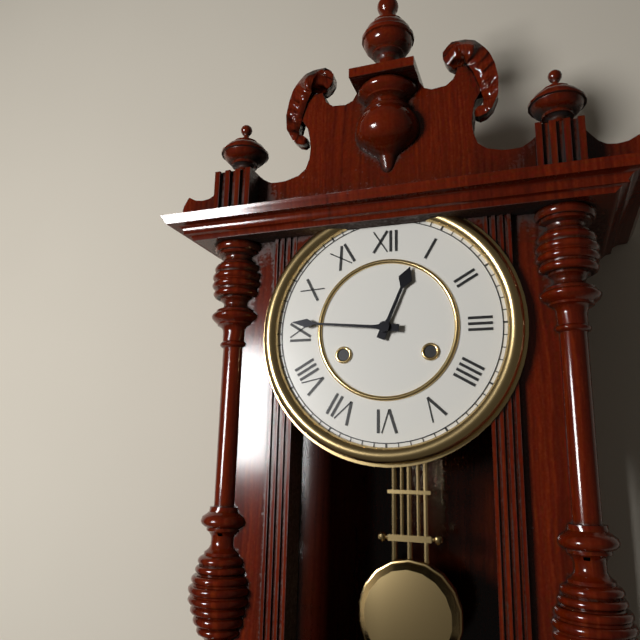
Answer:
h=12 m=46
